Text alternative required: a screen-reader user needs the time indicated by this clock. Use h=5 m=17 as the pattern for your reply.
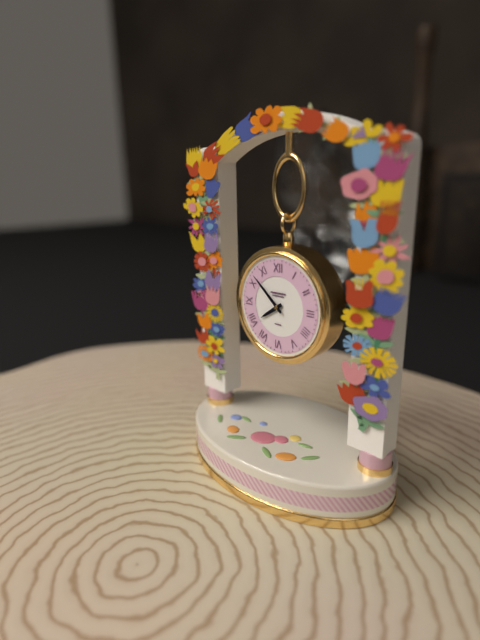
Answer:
h=7 m=52
